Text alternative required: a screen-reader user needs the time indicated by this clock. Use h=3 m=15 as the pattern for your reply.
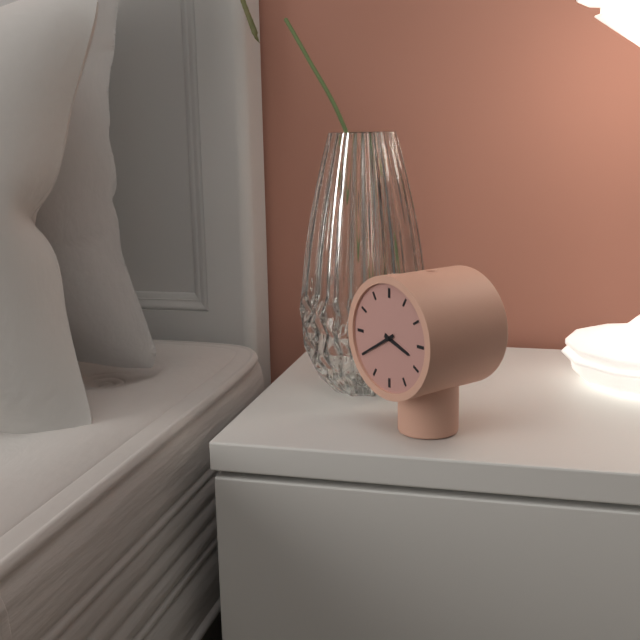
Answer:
h=3 m=40
